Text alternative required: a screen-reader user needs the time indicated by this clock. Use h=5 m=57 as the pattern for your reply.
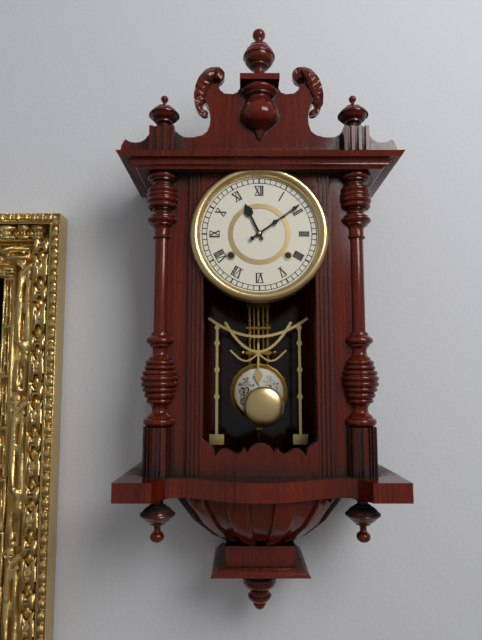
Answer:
h=11 m=9
